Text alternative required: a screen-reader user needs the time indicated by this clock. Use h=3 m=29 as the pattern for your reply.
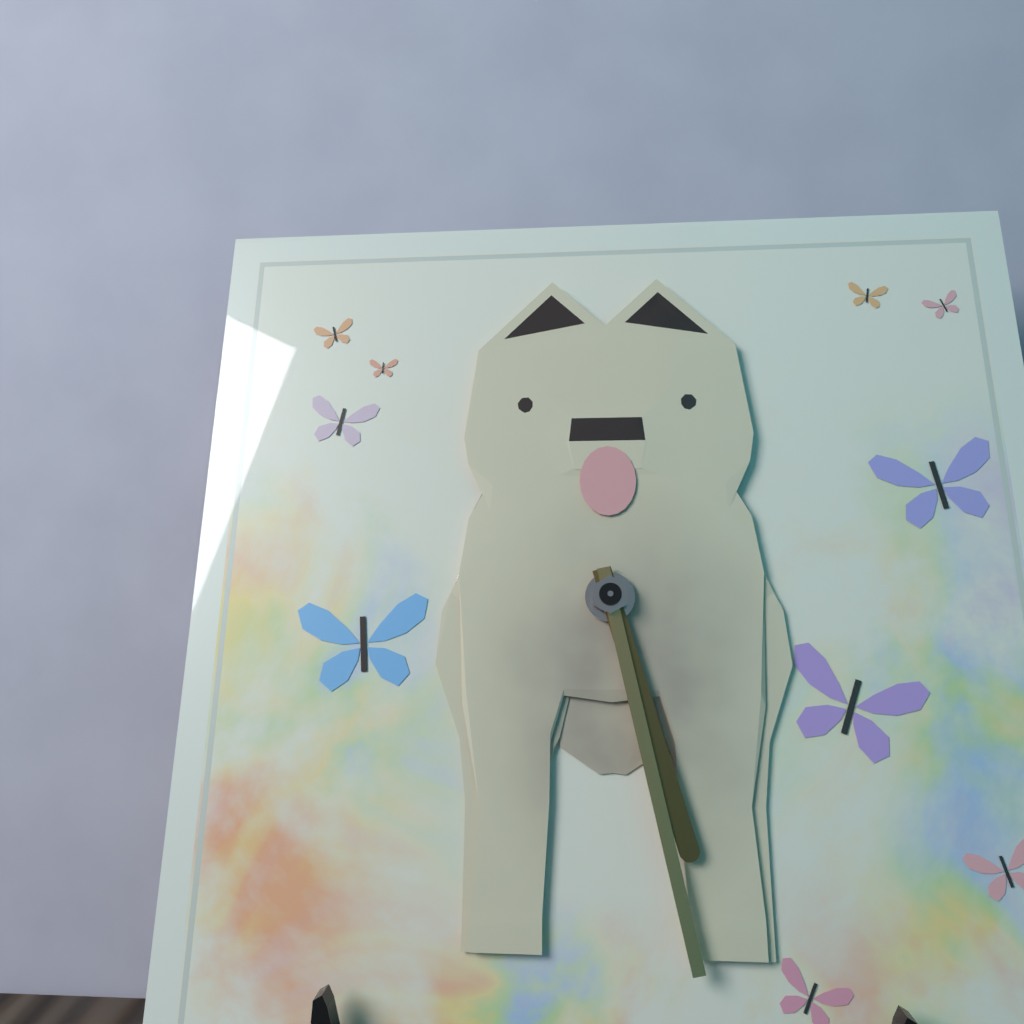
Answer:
h=5 m=28
